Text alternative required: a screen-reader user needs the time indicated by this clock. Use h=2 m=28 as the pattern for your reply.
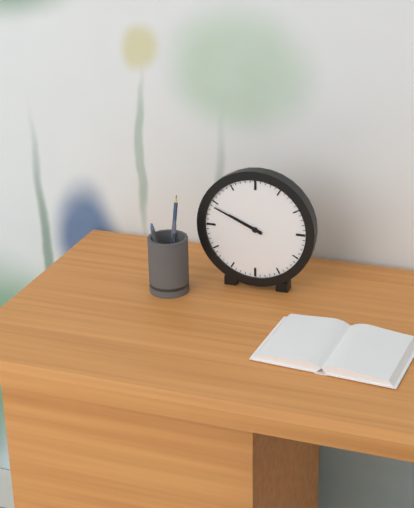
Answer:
h=9 m=49
